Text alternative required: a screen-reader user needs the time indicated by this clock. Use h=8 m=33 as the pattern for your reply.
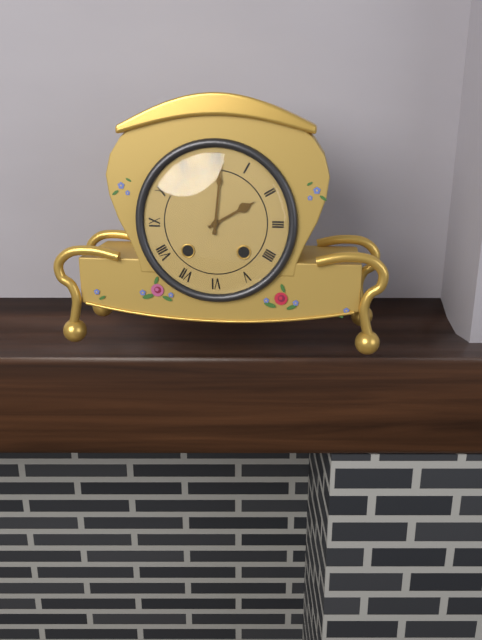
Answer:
h=2 m=1
